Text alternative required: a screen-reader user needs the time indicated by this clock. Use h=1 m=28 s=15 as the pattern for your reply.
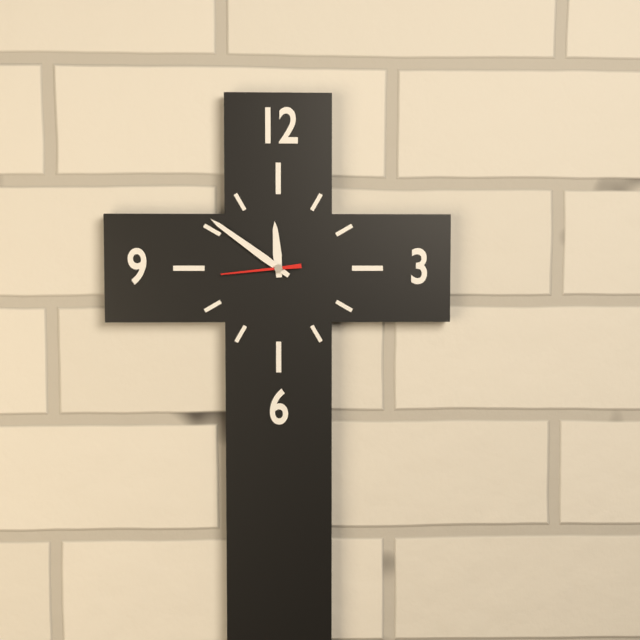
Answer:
h=11 m=51 s=44
